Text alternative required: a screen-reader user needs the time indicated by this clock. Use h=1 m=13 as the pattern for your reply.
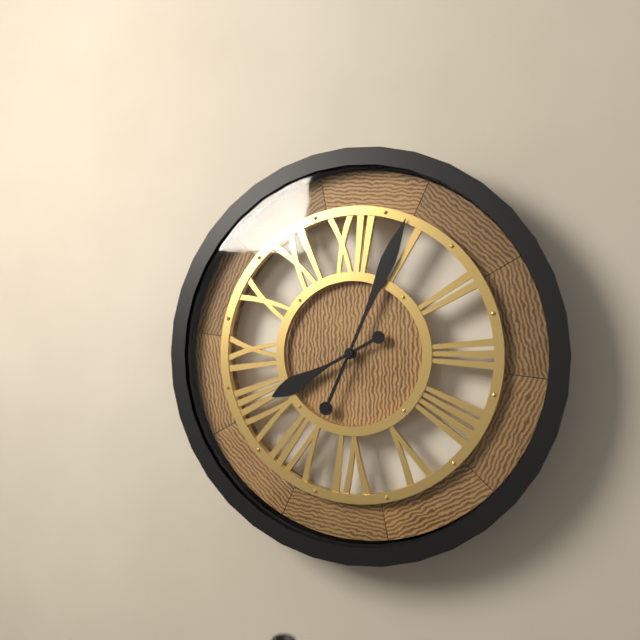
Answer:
h=8 m=4
